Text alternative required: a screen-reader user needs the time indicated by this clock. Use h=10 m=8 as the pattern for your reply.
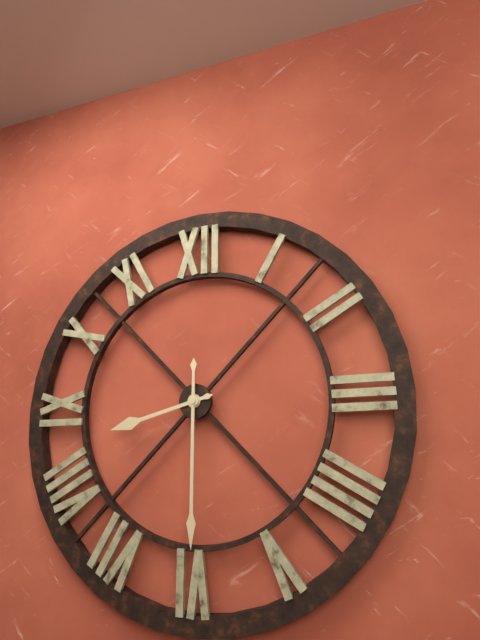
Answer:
h=8 m=30
